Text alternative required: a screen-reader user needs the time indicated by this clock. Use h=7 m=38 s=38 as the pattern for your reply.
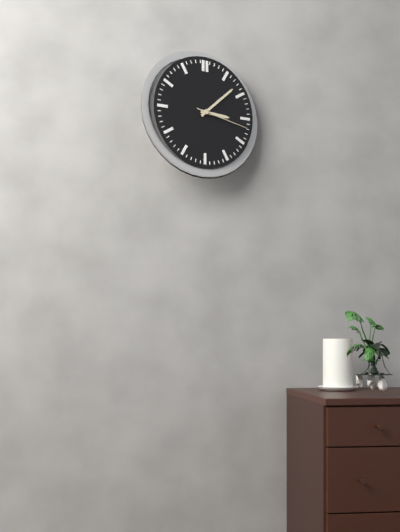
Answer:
h=3 m=8 s=17
